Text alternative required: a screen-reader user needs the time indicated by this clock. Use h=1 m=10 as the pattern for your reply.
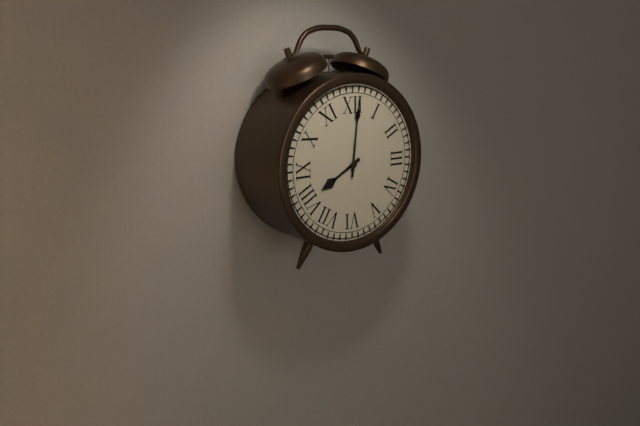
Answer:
h=8 m=1
